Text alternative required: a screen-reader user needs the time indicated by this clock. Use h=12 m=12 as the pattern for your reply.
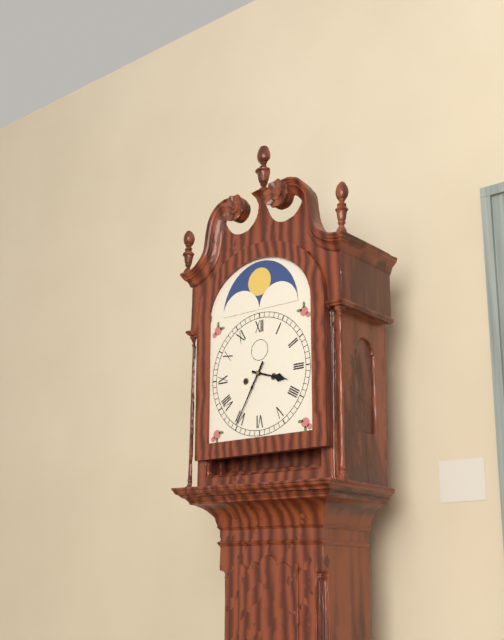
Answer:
h=3 m=35
